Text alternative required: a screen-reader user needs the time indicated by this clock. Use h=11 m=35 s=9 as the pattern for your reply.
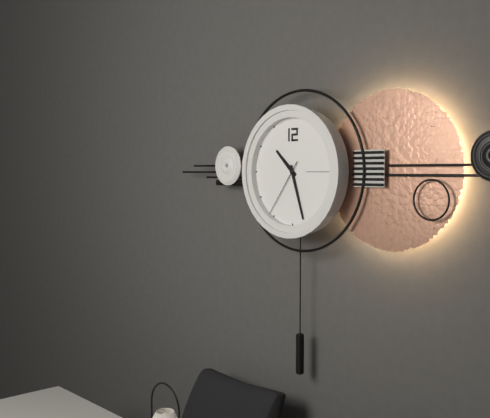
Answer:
h=10 m=27 s=36
